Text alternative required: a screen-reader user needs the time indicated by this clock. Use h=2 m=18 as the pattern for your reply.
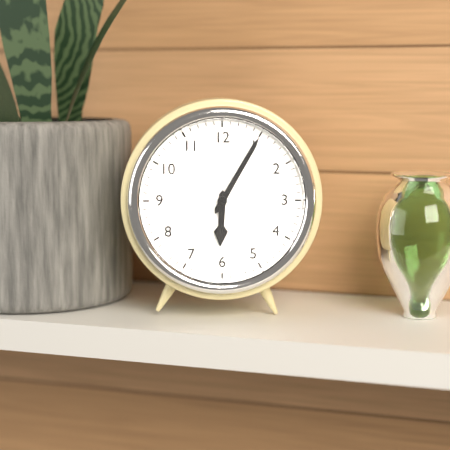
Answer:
h=6 m=5
